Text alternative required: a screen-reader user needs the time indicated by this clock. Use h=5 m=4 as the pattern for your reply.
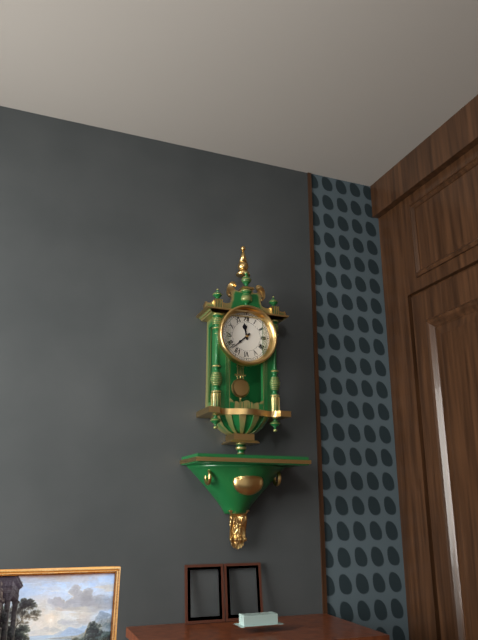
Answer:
h=11 m=38
